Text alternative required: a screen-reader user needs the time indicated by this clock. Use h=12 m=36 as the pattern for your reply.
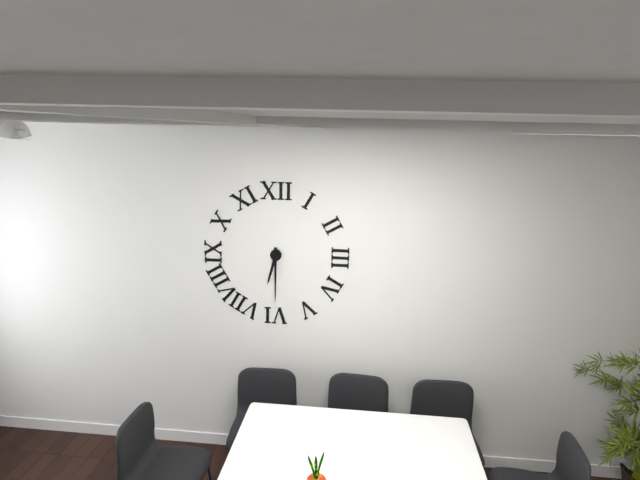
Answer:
h=6 m=30
